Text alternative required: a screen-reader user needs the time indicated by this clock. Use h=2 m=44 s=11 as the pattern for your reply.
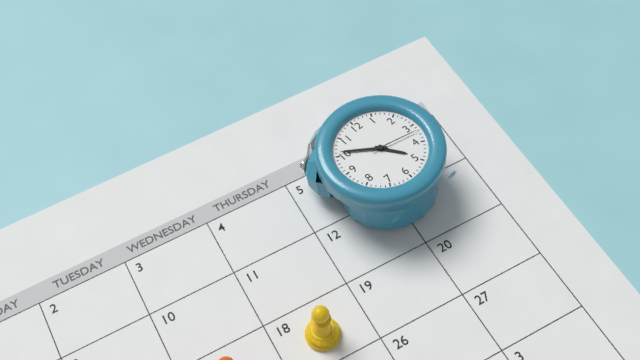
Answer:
h=4 m=51 s=17
